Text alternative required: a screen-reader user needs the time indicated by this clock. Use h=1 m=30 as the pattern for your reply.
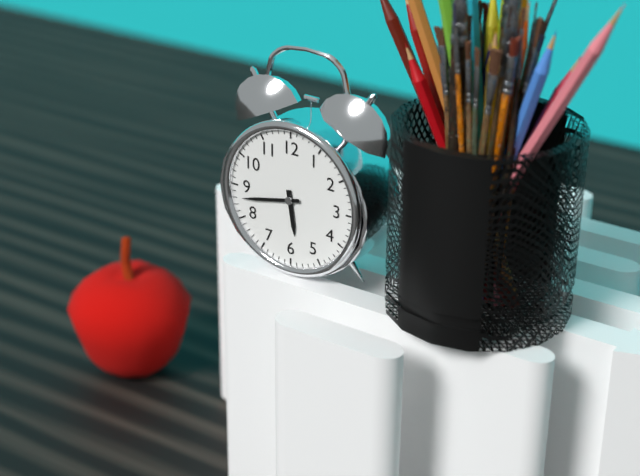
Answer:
h=5 m=43
